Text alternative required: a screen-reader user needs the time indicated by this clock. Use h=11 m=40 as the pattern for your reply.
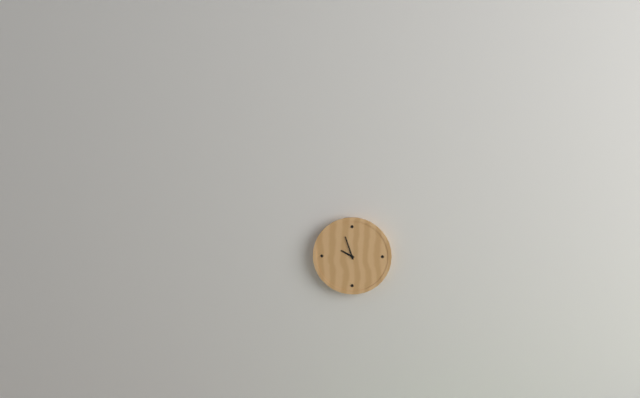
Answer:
h=9 m=57
